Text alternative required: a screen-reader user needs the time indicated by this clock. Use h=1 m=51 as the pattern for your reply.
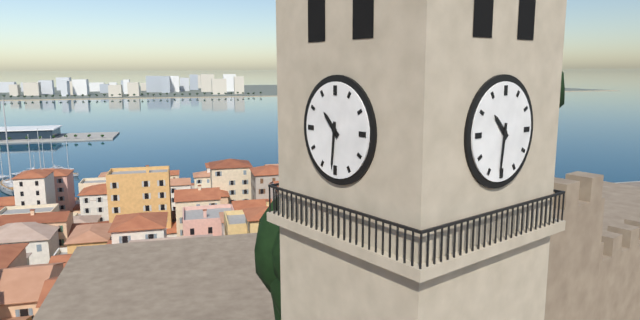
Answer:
h=10 m=31
